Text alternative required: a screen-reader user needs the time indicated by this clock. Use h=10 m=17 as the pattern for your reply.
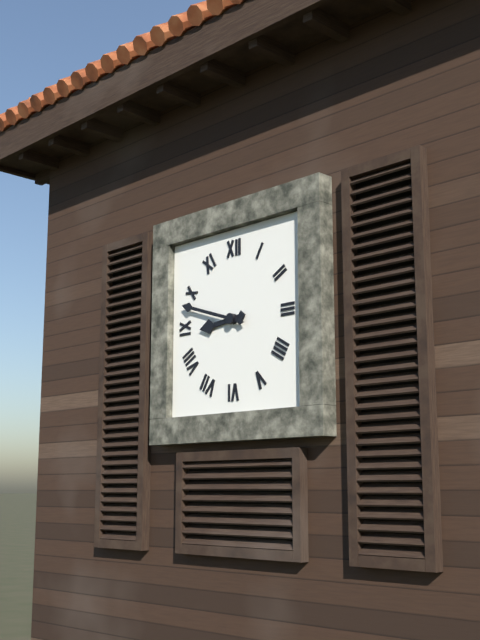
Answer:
h=8 m=48
